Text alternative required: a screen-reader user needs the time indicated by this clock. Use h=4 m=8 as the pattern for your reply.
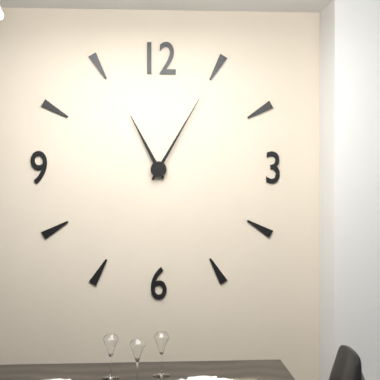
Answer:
h=11 m=5
